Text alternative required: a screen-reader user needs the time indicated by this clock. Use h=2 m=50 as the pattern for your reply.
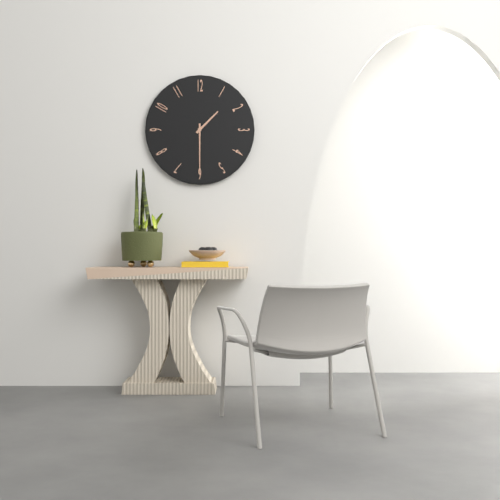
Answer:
h=1 m=30
